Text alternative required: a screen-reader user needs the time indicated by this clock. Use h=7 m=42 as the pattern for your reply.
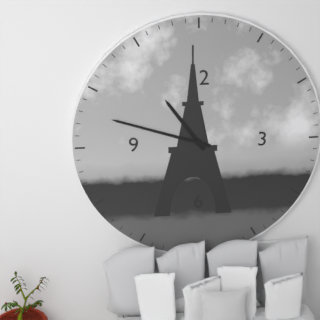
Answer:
h=10 m=48
